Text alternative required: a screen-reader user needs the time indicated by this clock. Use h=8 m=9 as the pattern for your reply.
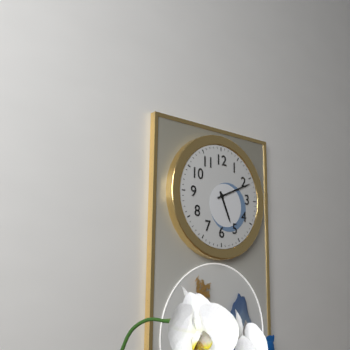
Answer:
h=5 m=11
